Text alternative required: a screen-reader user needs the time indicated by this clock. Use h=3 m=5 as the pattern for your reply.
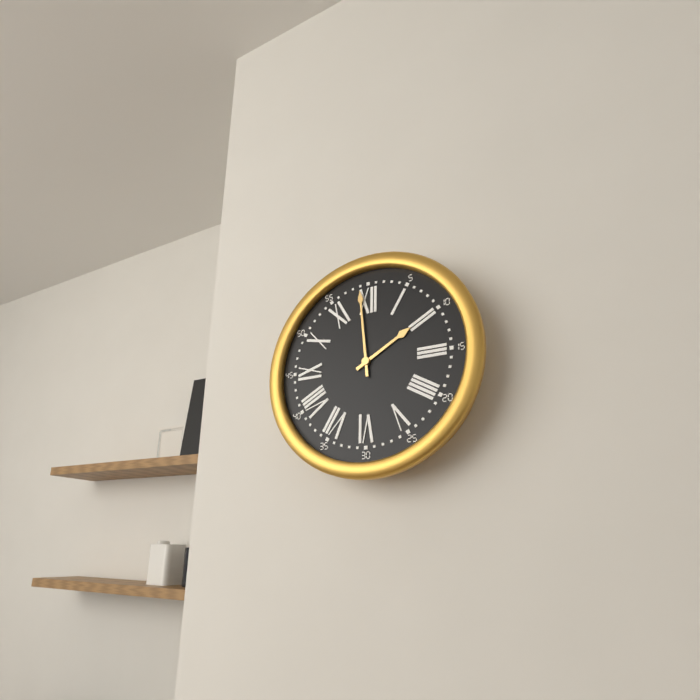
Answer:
h=1 m=59
